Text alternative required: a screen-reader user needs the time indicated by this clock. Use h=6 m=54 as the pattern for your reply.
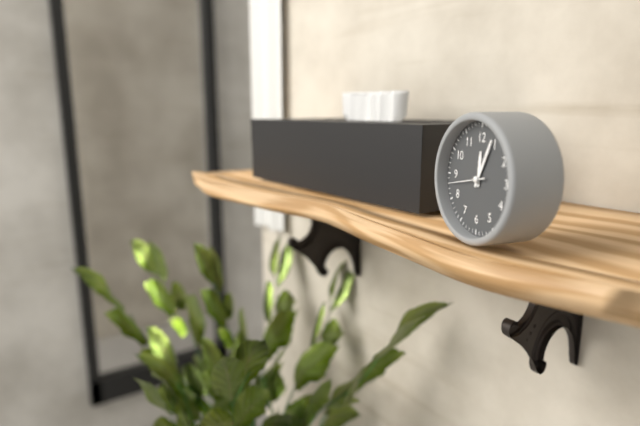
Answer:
h=12 m=4
